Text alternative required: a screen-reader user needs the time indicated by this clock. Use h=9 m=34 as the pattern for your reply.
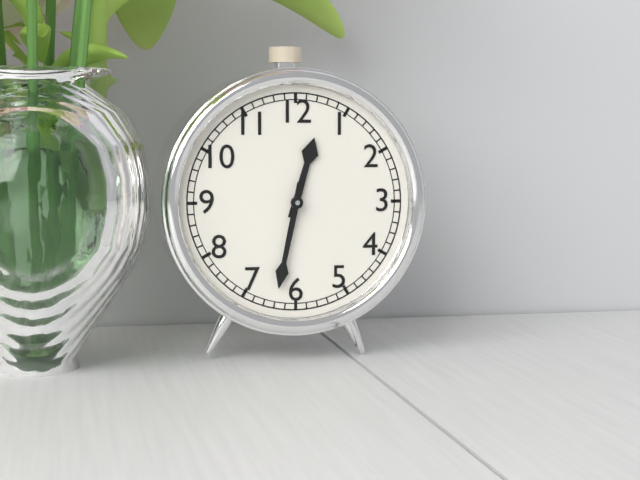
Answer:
h=12 m=32
